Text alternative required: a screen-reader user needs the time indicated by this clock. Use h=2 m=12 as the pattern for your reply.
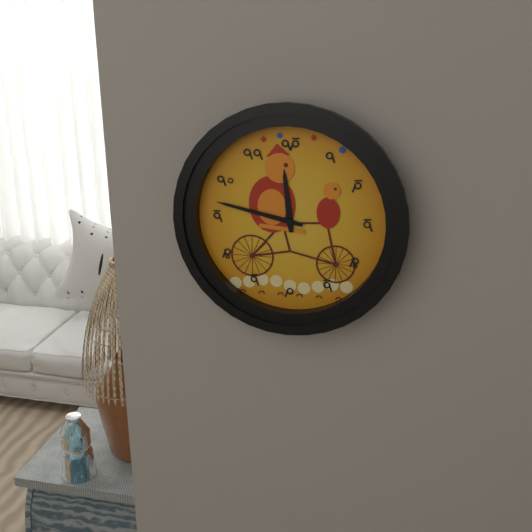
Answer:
h=11 m=47
